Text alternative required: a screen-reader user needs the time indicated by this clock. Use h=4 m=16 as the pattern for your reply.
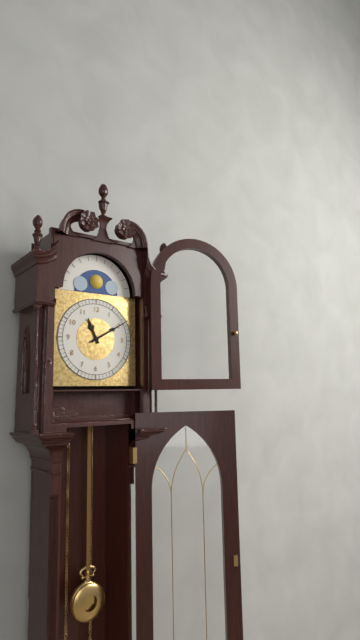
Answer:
h=11 m=10
